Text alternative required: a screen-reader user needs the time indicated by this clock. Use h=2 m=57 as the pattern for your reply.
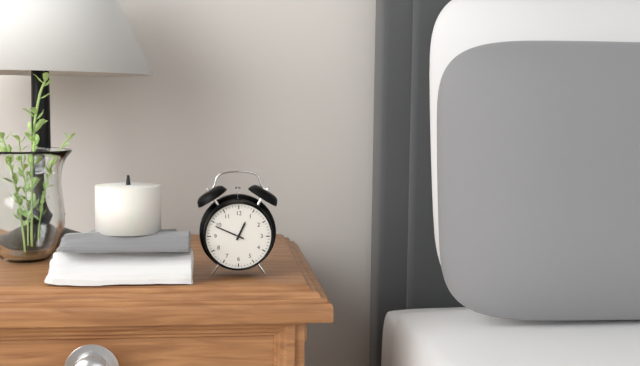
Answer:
h=12 m=49
